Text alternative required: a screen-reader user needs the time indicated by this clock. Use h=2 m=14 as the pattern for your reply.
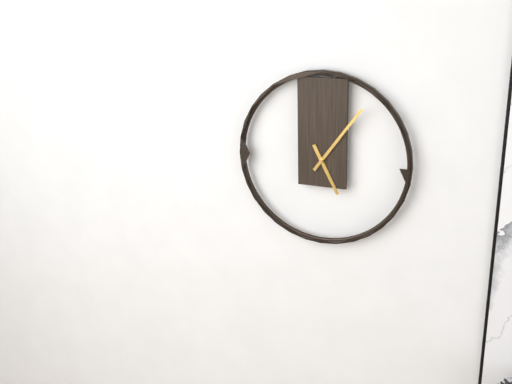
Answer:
h=5 m=6
